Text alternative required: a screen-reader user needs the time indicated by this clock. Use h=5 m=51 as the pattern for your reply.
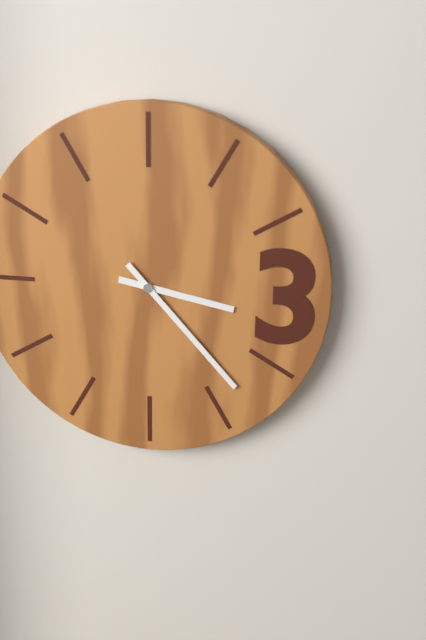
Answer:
h=3 m=23
